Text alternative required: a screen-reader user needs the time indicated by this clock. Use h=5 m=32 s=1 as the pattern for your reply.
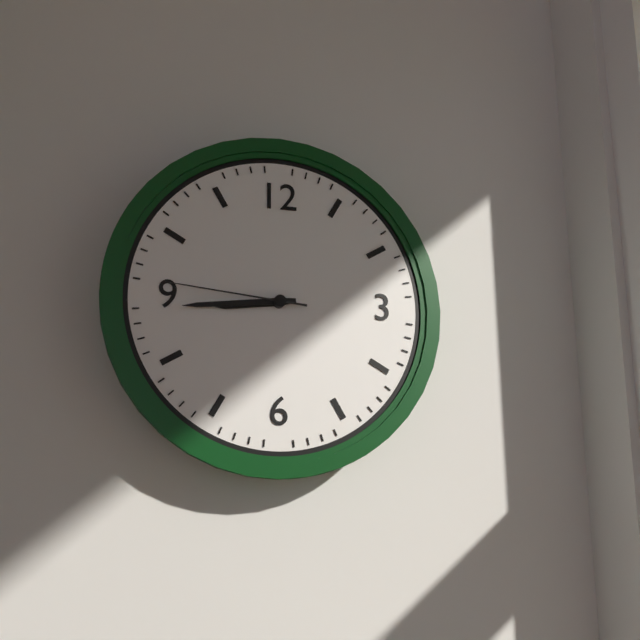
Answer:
h=8 m=44 s=46
